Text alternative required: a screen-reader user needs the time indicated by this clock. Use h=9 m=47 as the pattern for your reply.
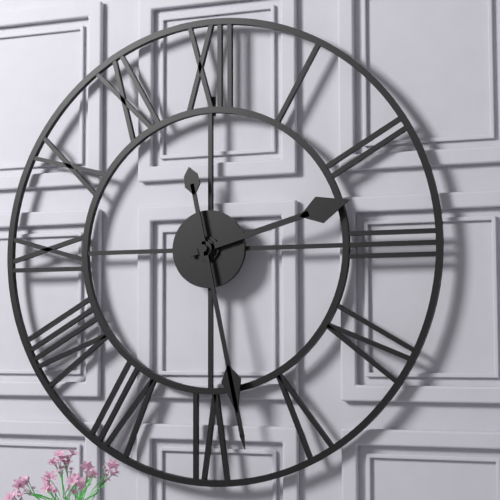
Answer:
h=2 m=28
